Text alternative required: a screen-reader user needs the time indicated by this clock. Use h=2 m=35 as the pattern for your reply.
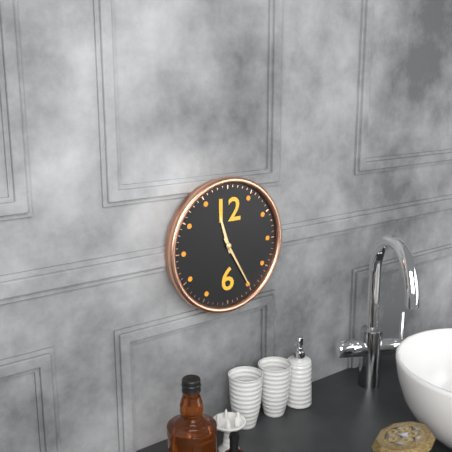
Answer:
h=11 m=25
